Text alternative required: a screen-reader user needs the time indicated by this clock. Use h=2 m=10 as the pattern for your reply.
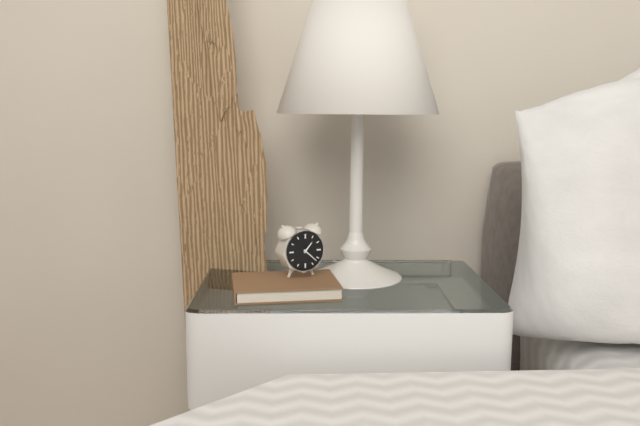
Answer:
h=1 m=22
